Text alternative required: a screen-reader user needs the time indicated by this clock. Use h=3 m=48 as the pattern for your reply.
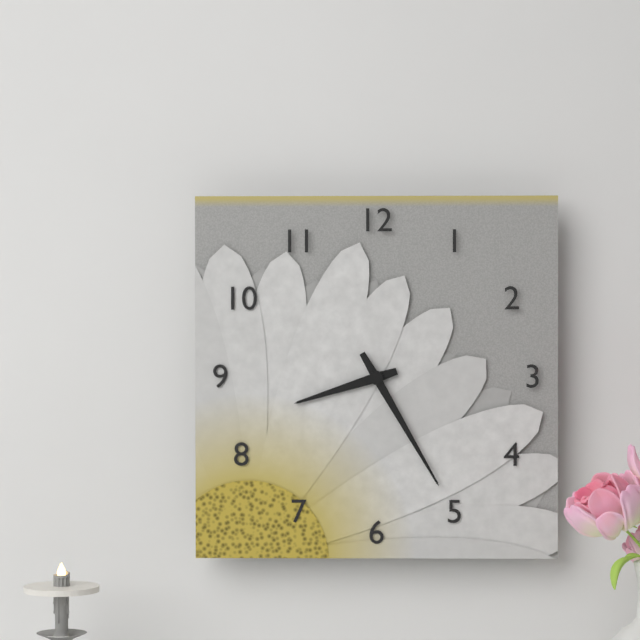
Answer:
h=8 m=25
